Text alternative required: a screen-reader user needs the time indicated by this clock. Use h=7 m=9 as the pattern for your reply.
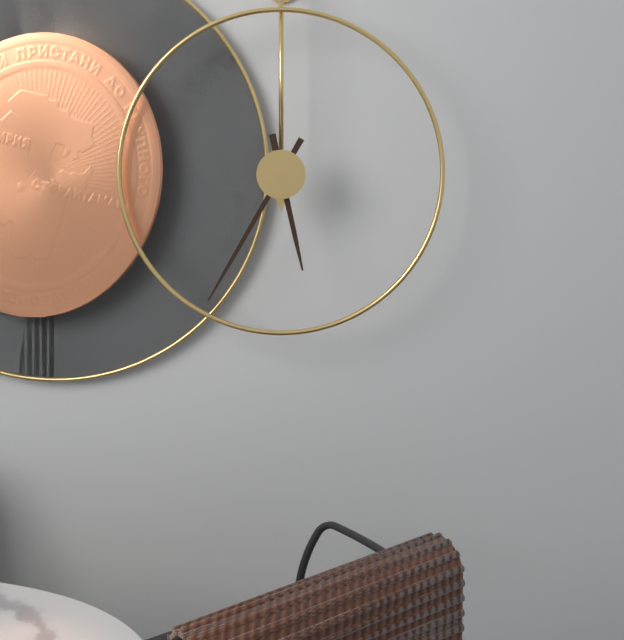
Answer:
h=5 m=35
